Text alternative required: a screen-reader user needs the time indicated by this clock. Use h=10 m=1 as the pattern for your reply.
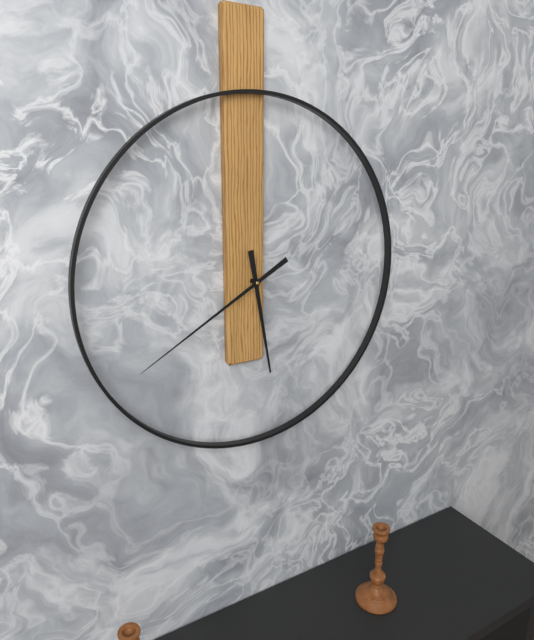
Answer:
h=5 m=40
